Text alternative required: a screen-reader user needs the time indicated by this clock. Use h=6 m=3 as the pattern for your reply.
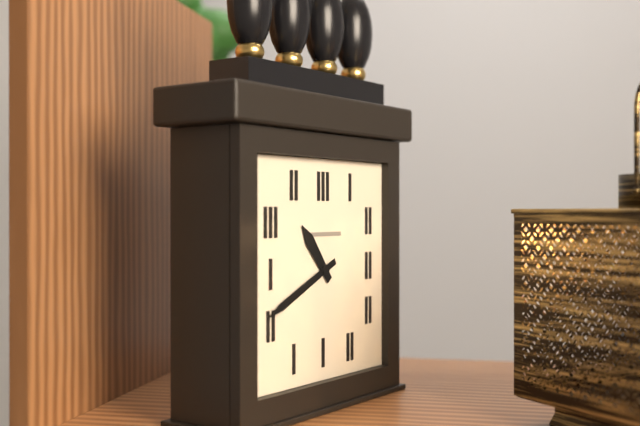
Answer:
h=10 m=41
